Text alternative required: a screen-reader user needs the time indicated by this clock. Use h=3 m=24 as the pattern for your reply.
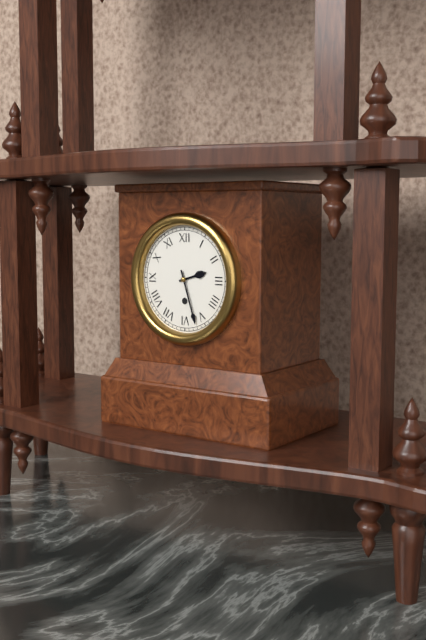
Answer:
h=2 m=27
